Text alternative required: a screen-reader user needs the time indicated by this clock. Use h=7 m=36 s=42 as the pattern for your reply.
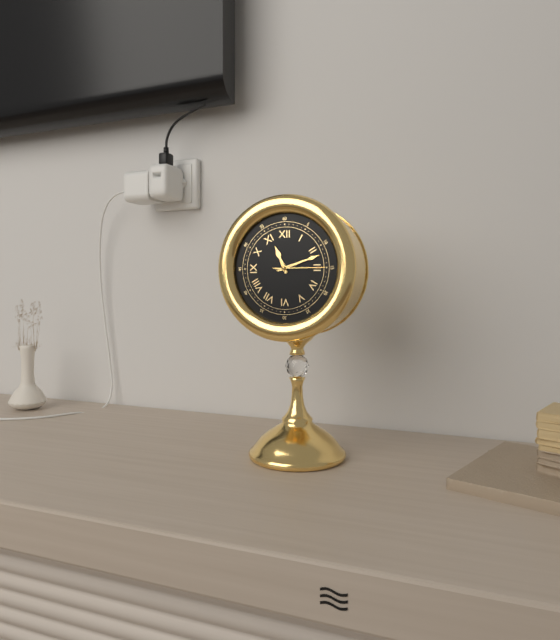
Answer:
h=11 m=12 s=15
